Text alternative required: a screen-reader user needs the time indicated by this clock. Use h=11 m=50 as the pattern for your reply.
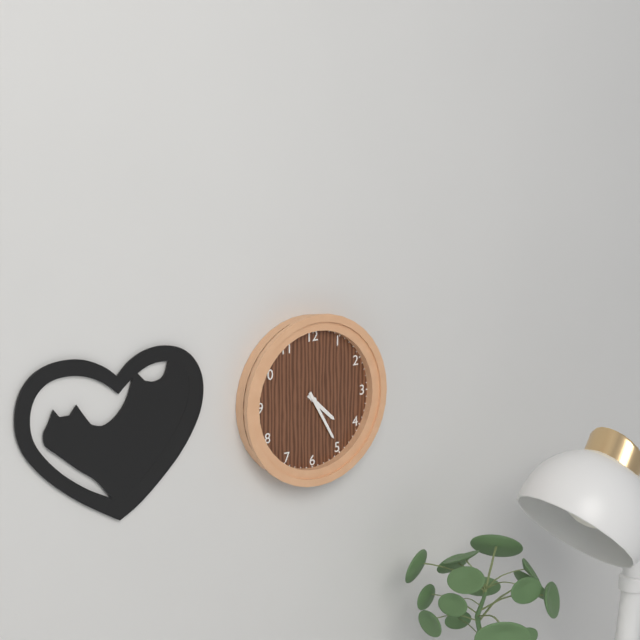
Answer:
h=4 m=25
